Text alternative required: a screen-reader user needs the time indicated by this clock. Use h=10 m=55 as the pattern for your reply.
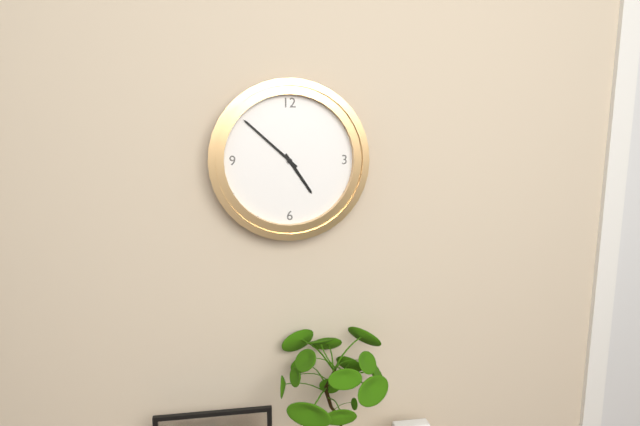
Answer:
h=4 m=52
